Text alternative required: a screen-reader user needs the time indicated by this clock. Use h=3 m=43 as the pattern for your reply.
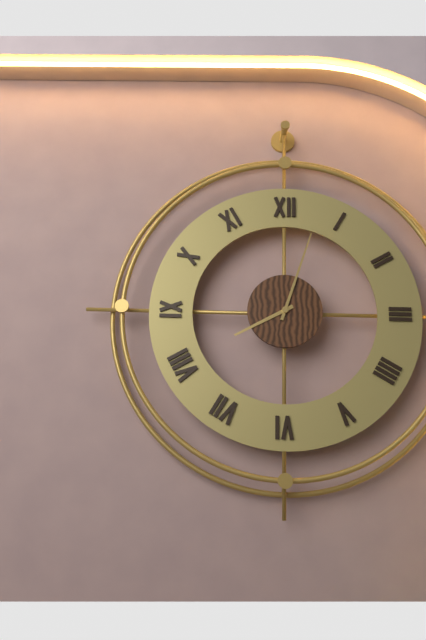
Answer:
h=8 m=3
